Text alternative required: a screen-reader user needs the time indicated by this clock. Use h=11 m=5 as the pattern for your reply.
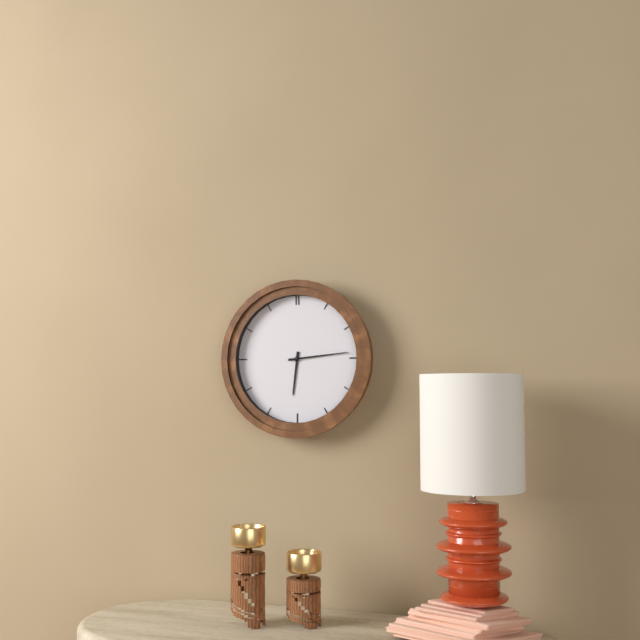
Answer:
h=6 m=14
